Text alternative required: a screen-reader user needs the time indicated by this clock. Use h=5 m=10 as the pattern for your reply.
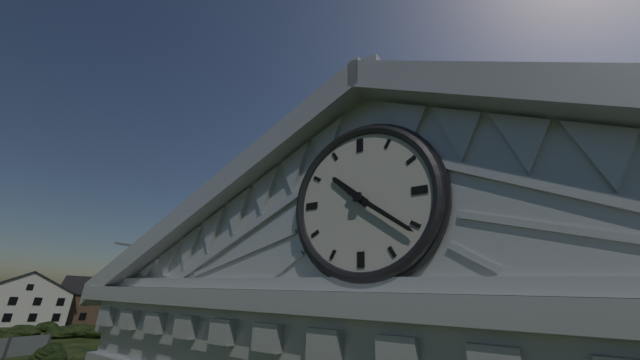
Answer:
h=10 m=21
